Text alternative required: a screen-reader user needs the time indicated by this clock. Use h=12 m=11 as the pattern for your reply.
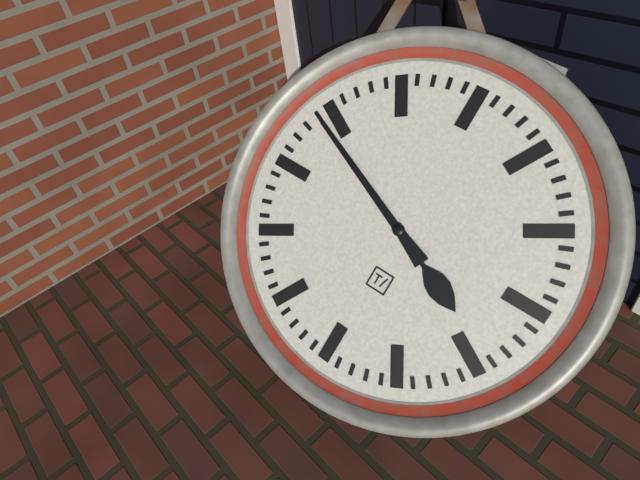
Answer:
h=3 m=49
